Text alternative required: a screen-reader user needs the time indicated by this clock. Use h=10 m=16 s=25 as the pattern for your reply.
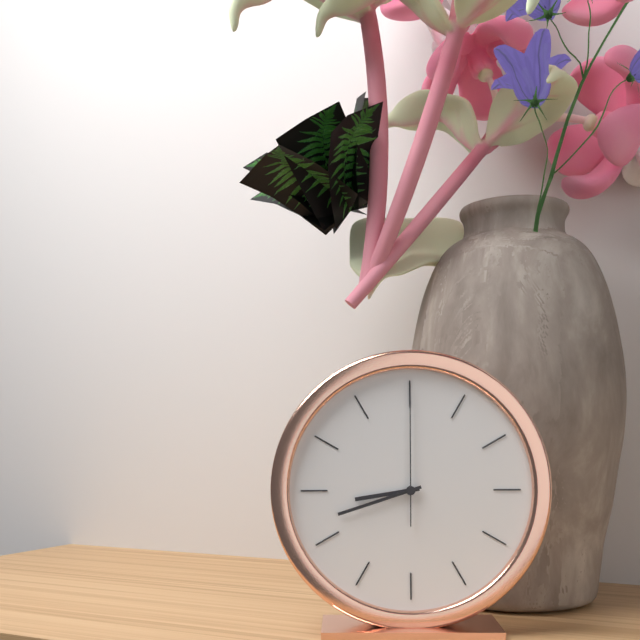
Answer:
h=8 m=42 s=0
